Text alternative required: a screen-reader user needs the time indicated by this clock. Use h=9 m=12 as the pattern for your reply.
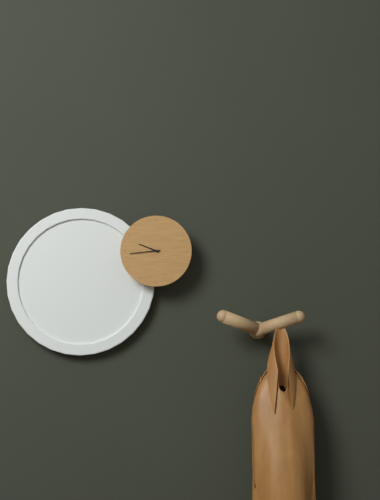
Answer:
h=9 m=44
